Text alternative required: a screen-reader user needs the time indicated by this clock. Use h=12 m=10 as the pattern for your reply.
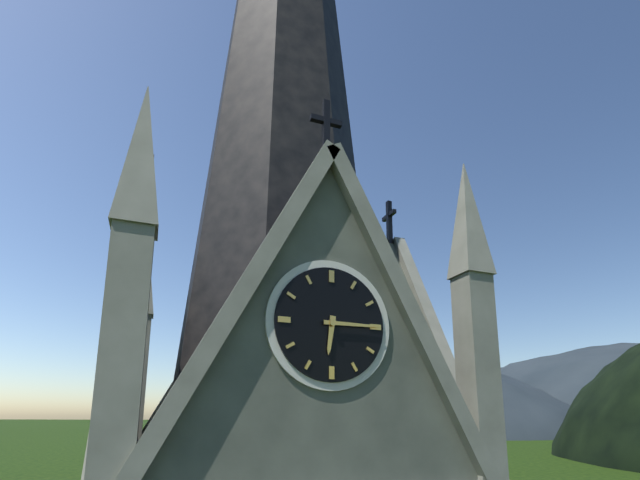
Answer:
h=6 m=15
